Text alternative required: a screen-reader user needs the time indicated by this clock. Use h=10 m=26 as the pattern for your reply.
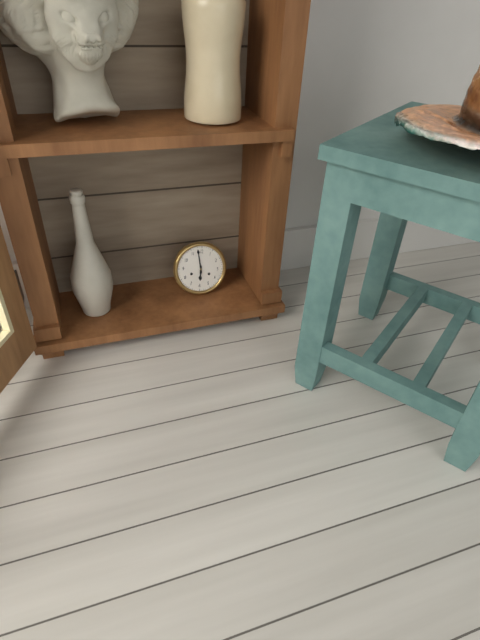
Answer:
h=5 m=58
